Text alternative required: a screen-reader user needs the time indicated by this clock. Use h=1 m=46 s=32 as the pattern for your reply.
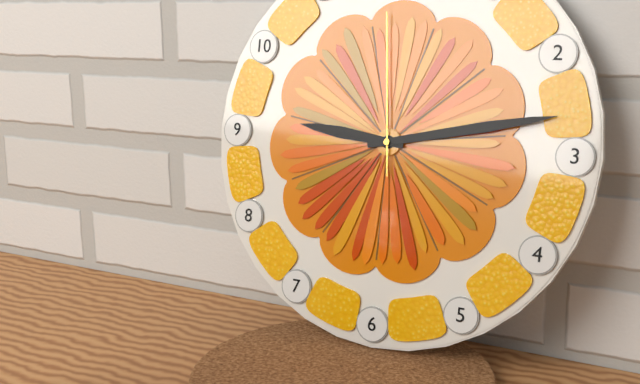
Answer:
h=9 m=13 s=59
